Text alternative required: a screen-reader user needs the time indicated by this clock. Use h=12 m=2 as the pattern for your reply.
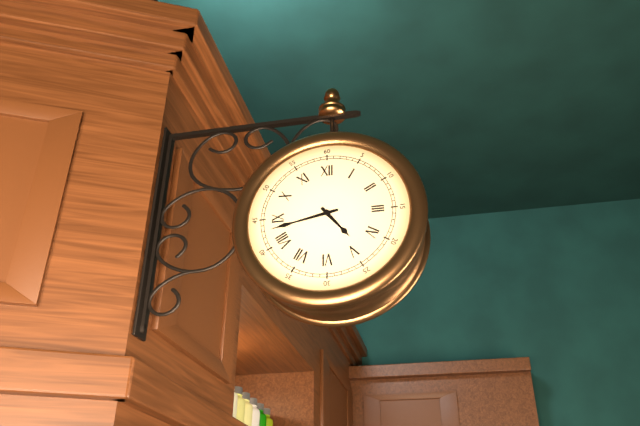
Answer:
h=4 m=43
